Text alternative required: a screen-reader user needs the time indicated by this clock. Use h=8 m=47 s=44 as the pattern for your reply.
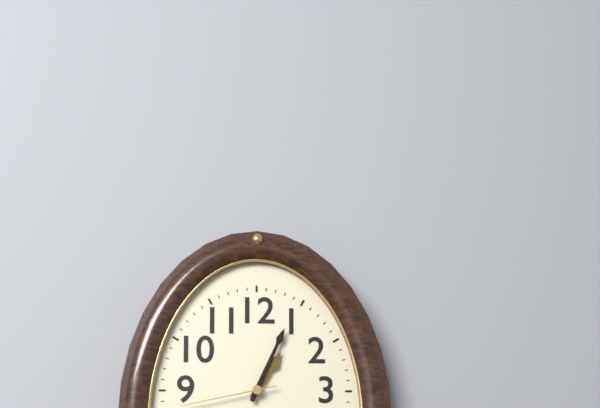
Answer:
h=1 m=4 s=43
